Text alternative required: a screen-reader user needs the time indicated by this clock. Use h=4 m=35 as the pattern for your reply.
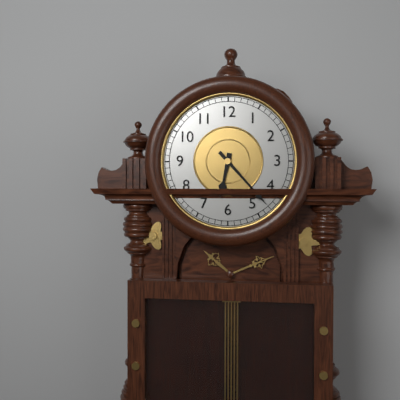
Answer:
h=6 m=23
